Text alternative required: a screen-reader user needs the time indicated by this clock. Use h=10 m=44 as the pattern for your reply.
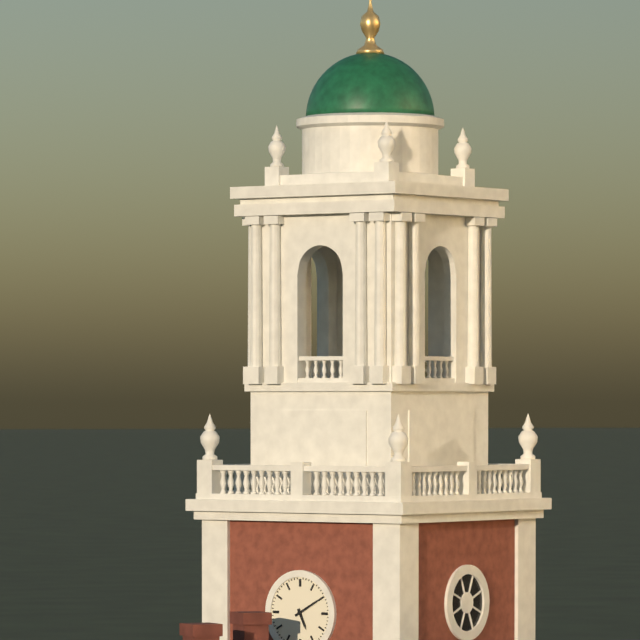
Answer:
h=5 m=10
